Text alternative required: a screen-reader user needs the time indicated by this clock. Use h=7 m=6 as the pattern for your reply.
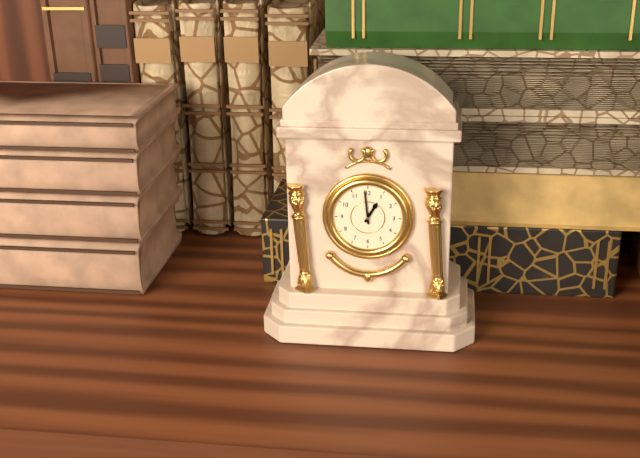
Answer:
h=12 m=59
